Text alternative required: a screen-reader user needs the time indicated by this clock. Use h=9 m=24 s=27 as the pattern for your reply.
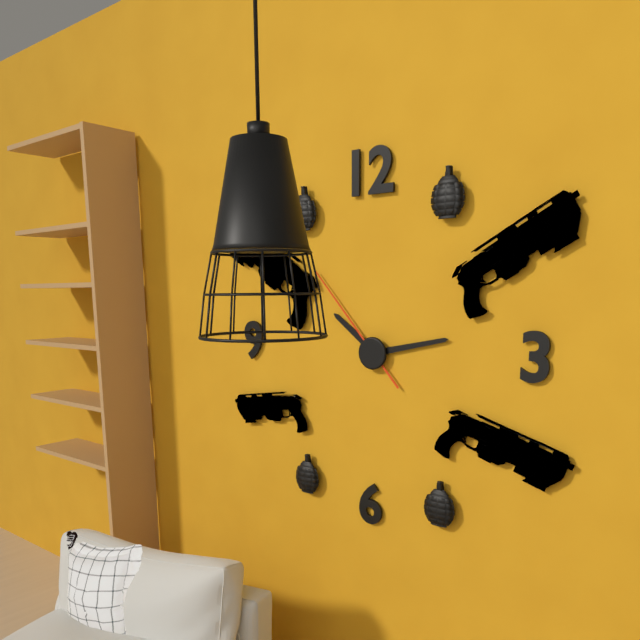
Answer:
h=10 m=13 s=53
